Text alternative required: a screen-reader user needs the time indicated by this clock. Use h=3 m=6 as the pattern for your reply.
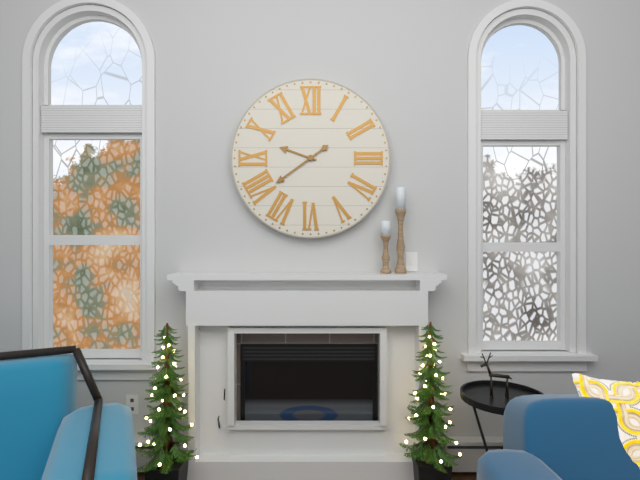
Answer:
h=9 m=39
